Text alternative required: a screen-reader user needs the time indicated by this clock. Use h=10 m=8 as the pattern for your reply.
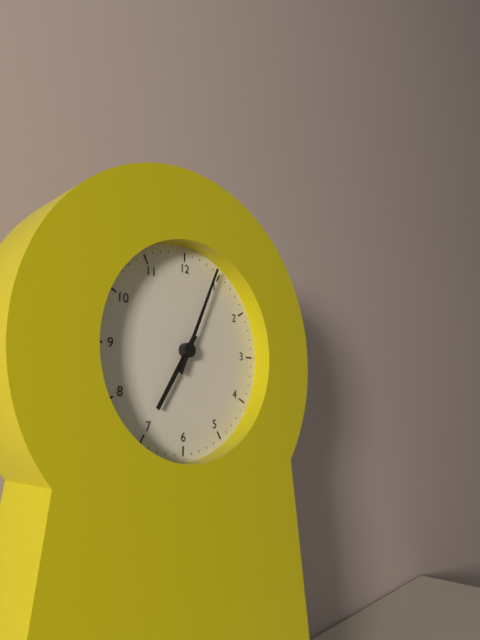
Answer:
h=7 m=4
